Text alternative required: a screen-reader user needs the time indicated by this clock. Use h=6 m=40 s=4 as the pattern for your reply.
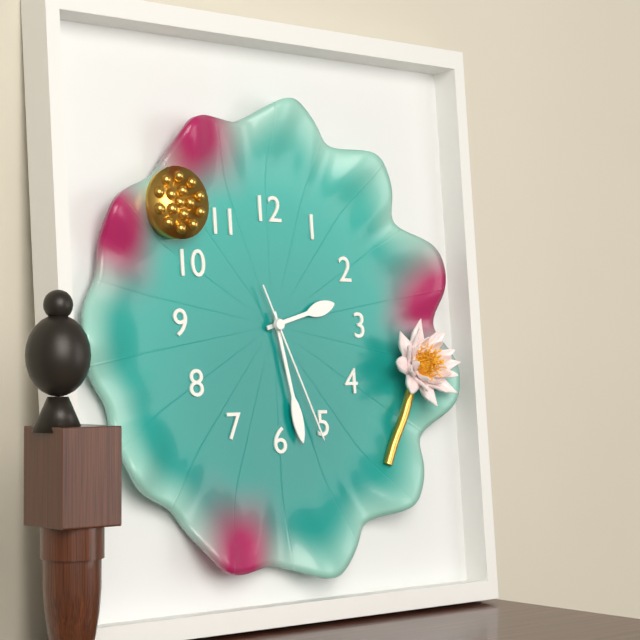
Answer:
h=2 m=28 s=26
